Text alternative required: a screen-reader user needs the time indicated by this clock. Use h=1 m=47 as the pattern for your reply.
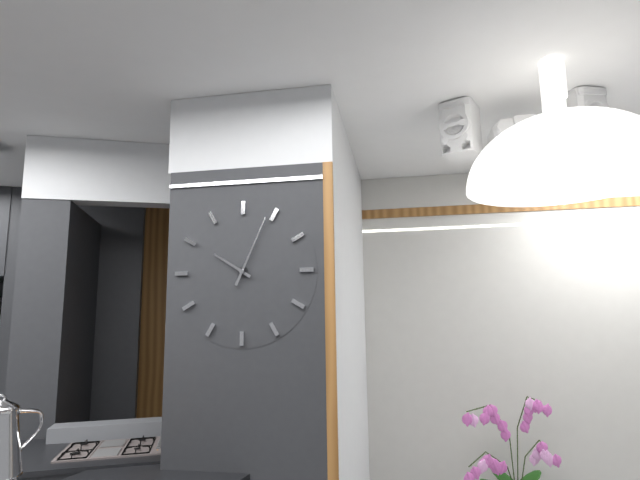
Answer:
h=10 m=4
